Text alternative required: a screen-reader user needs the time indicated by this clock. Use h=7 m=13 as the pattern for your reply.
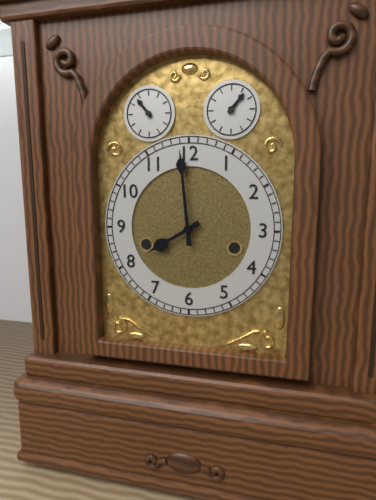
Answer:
h=7 m=59
